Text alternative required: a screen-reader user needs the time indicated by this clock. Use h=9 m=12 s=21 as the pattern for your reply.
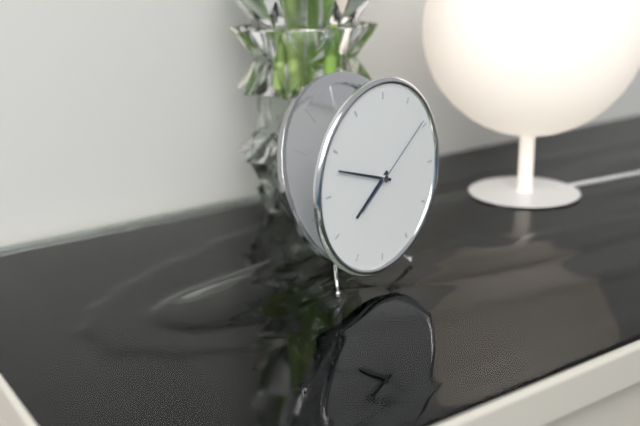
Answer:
h=7 m=48 s=9
